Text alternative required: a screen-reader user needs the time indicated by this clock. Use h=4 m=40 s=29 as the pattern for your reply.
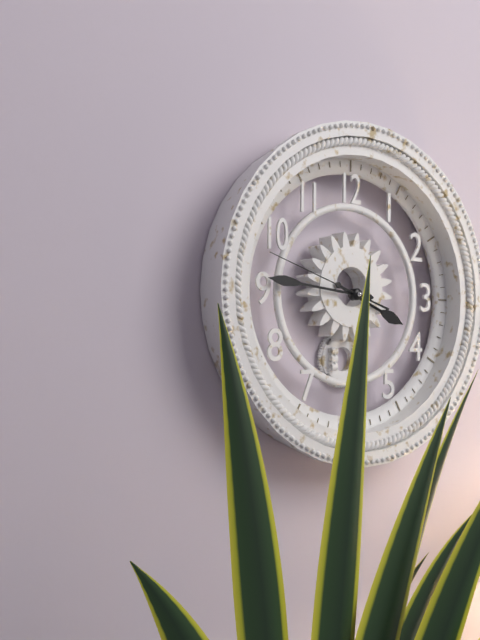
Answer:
h=3 m=46 s=48
